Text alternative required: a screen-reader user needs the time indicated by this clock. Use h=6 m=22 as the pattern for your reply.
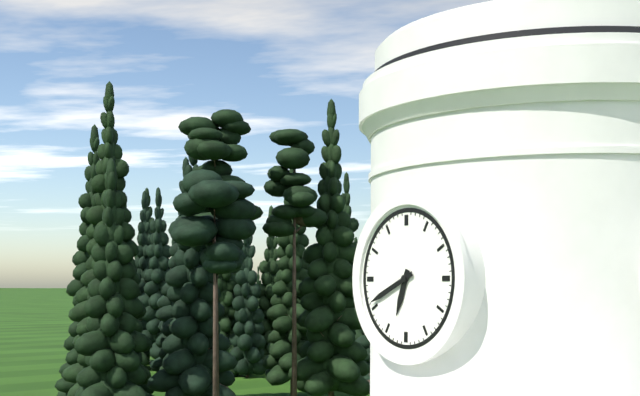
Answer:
h=6 m=41
